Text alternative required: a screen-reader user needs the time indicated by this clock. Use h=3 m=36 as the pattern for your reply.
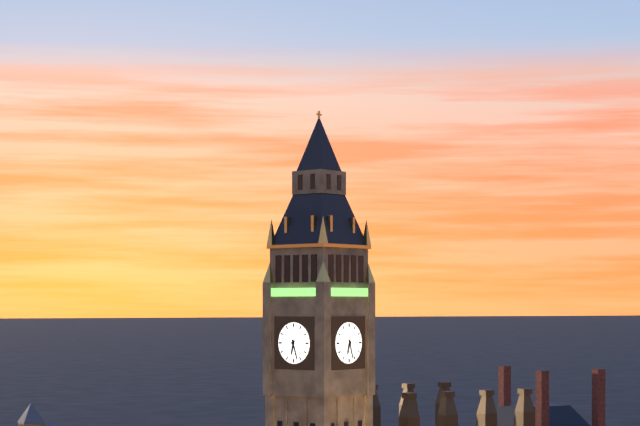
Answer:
h=6 m=27
